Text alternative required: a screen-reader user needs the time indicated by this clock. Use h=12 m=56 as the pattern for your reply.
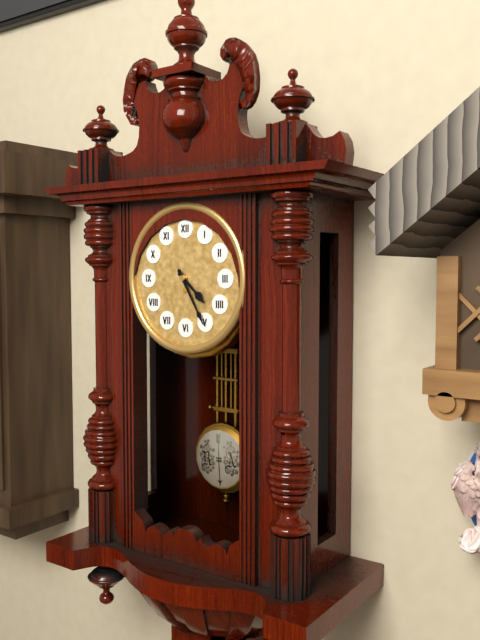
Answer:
h=4 m=25
